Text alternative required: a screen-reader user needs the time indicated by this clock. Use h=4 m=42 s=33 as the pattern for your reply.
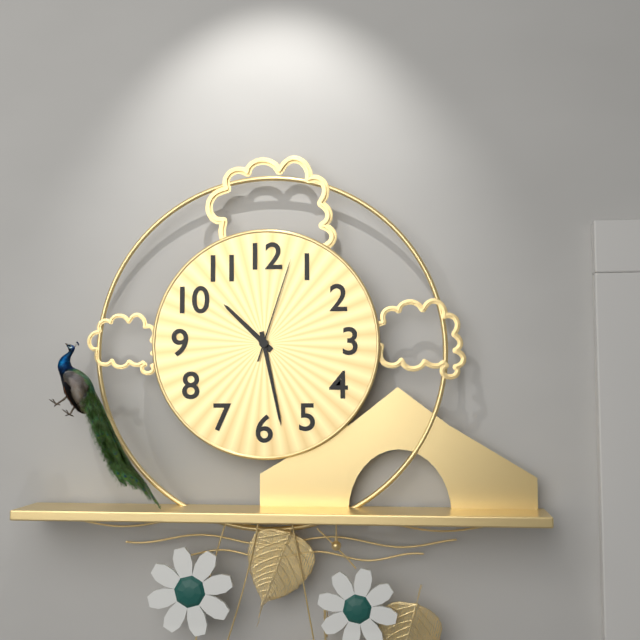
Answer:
h=10 m=28 s=3
